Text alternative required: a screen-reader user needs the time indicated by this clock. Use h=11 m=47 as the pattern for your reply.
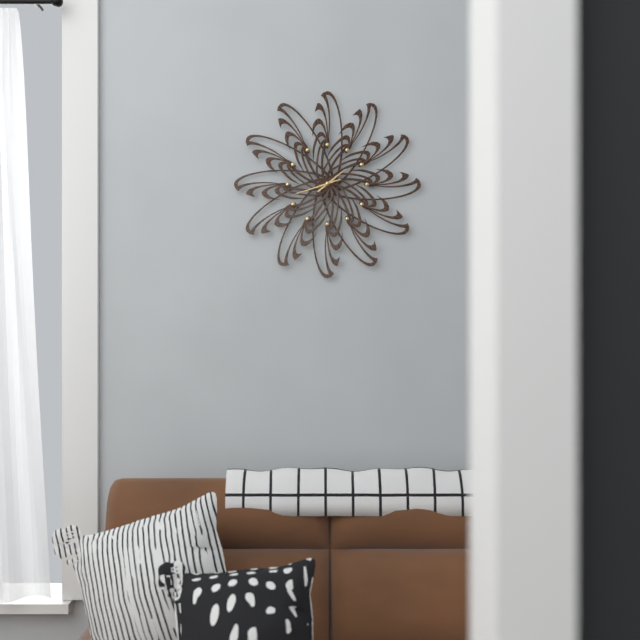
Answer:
h=1 m=42
